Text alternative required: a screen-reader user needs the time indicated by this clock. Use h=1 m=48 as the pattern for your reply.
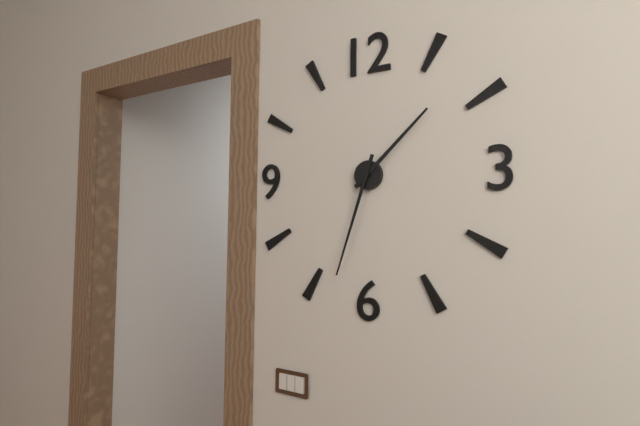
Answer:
h=1 m=33
